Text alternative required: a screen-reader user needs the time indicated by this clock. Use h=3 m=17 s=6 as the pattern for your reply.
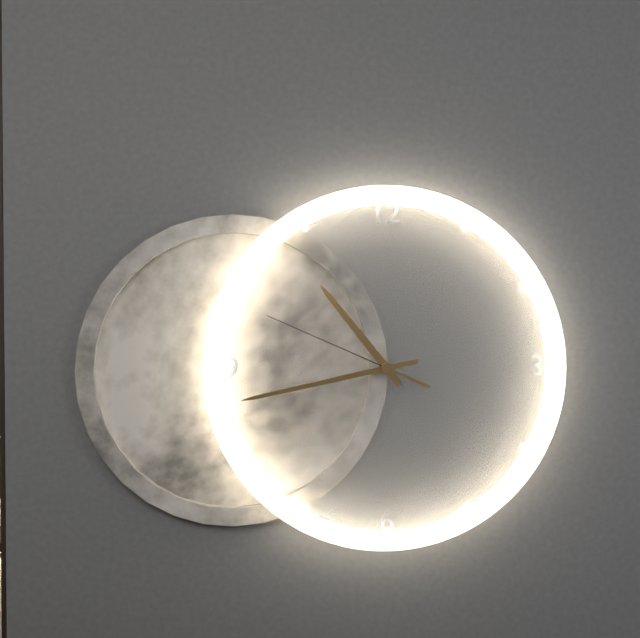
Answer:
h=10 m=43 s=49
